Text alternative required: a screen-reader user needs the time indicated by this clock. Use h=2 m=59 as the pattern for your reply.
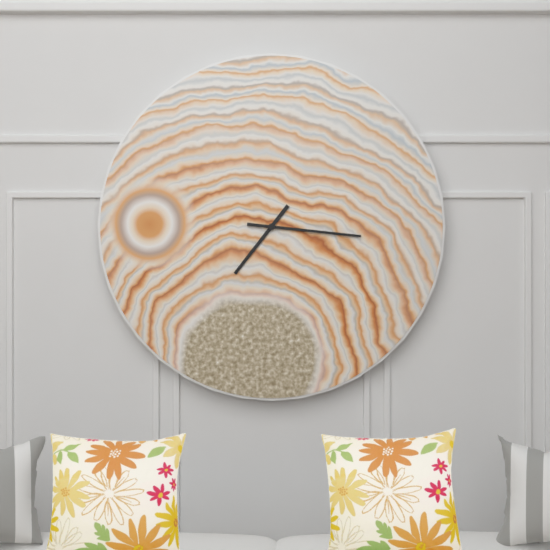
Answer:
h=7 m=16
